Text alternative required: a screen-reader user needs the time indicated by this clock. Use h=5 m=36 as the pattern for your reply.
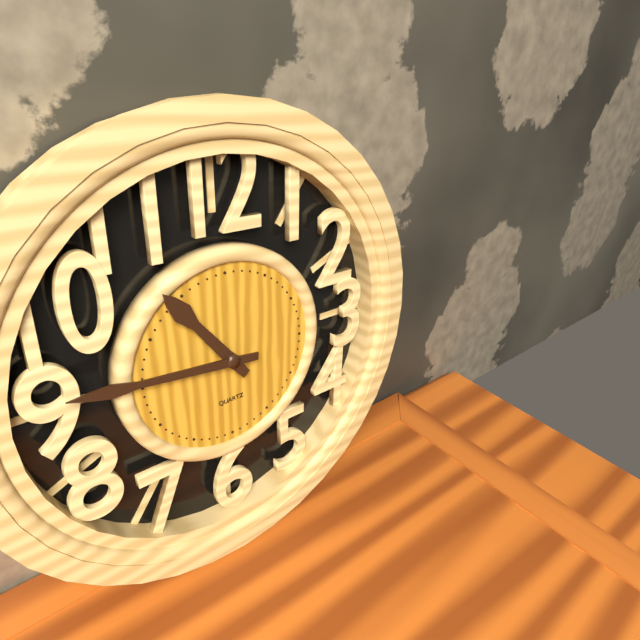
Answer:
h=10 m=46
